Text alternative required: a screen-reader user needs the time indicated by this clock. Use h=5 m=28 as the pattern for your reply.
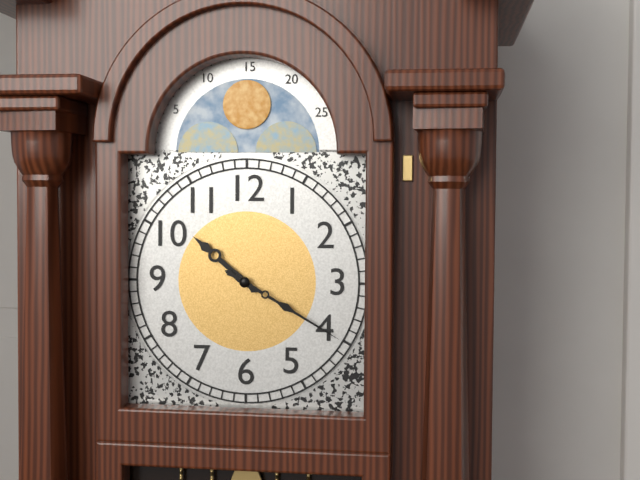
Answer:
h=10 m=20
